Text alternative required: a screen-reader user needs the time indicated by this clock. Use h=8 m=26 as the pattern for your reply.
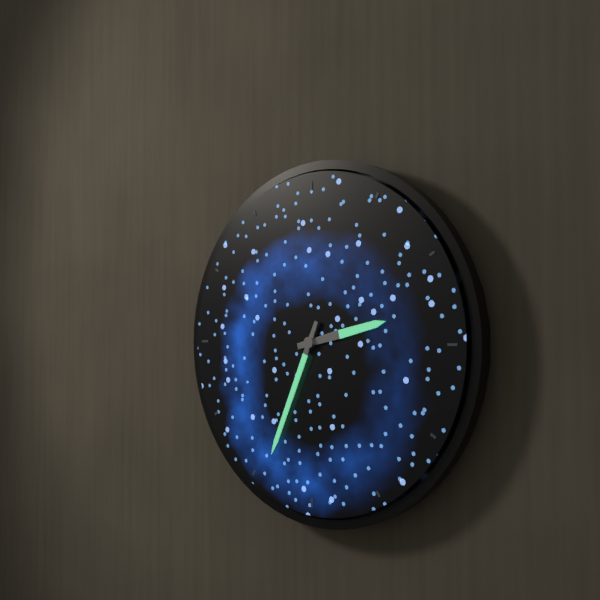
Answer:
h=2 m=34
